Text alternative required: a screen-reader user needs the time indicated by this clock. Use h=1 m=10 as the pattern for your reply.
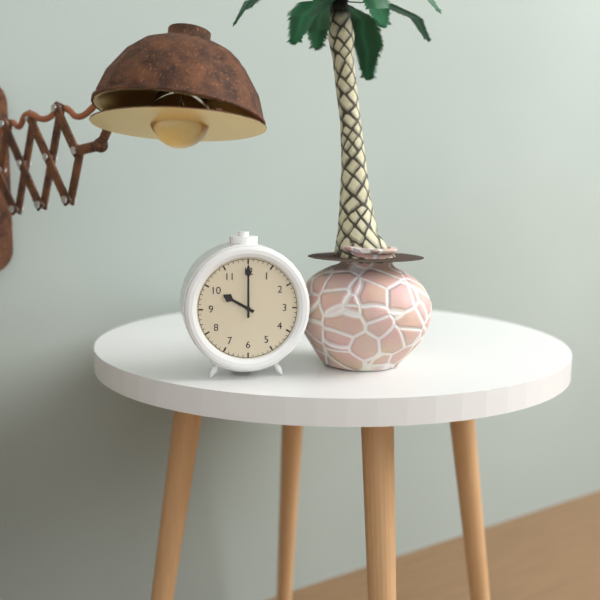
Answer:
h=10 m=0
